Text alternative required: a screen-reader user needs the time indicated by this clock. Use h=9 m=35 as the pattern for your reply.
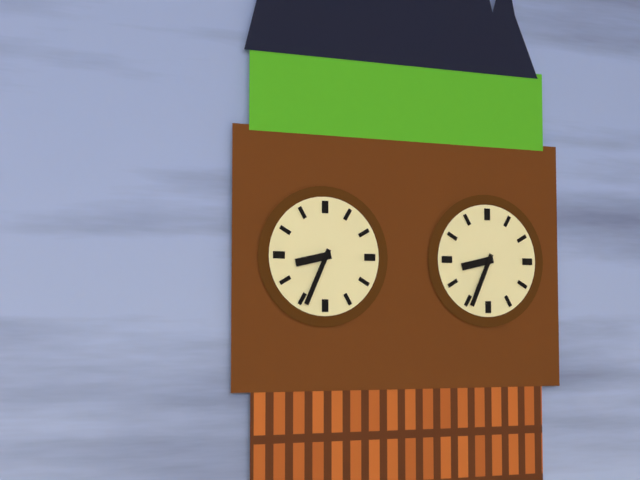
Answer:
h=8 m=34
